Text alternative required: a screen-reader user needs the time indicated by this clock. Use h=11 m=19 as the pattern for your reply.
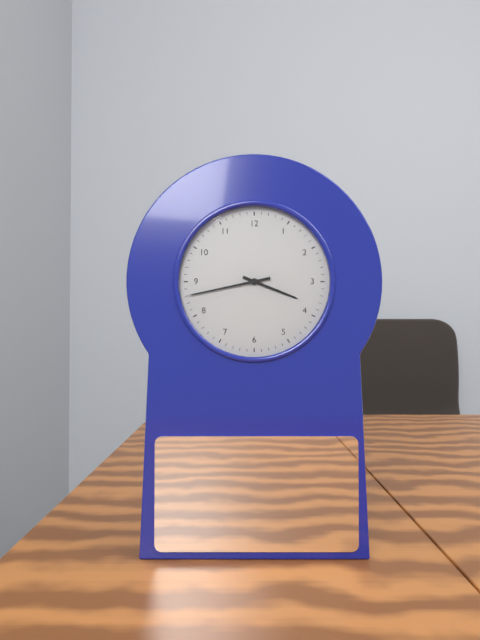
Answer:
h=3 m=43
